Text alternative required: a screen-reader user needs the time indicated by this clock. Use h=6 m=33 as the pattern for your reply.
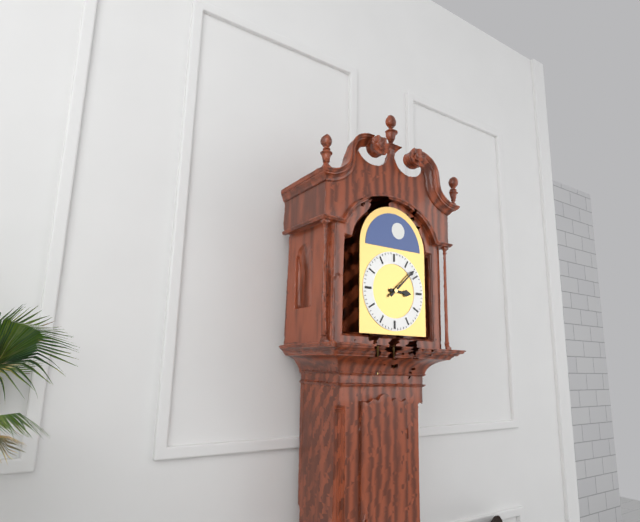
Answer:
h=3 m=8
